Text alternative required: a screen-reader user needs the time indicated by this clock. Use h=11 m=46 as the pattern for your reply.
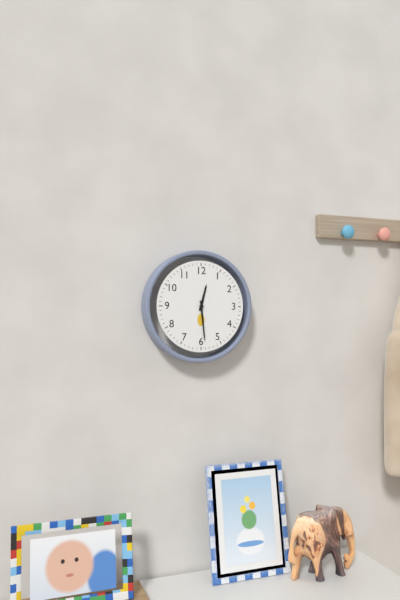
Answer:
h=12 m=29
